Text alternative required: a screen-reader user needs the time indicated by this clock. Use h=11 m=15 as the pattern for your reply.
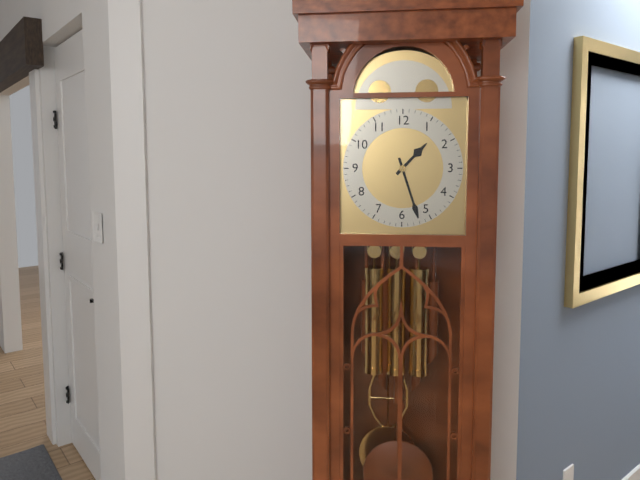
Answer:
h=1 m=27
